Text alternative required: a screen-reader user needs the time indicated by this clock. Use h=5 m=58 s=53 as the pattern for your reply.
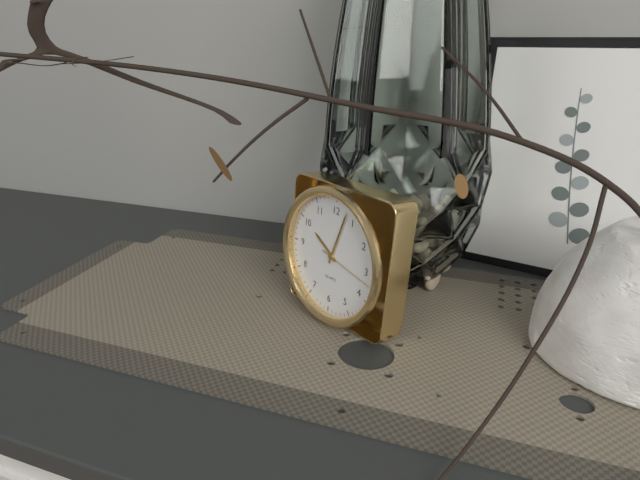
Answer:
h=10 m=3 s=17
